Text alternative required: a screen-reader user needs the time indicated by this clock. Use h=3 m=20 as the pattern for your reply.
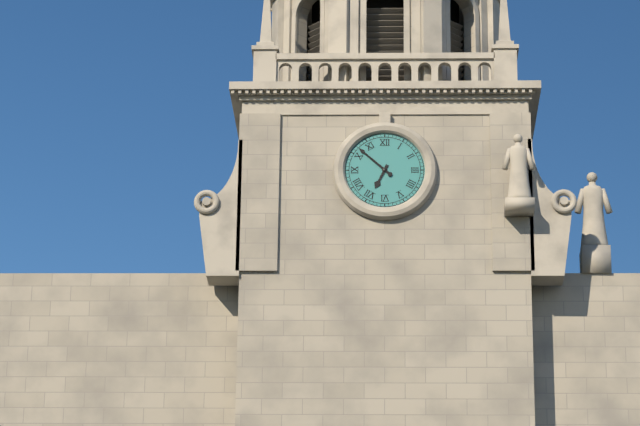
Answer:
h=6 m=52
